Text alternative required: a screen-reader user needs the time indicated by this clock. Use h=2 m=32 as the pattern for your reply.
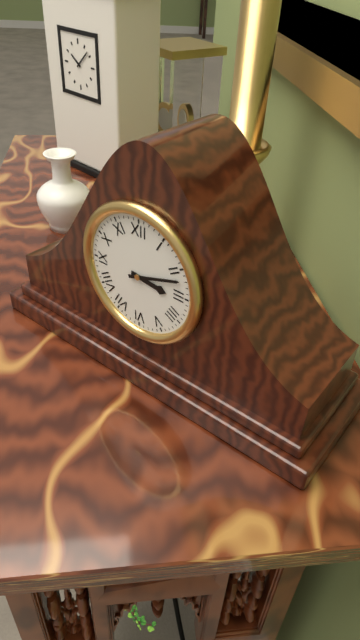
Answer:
h=3 m=12
